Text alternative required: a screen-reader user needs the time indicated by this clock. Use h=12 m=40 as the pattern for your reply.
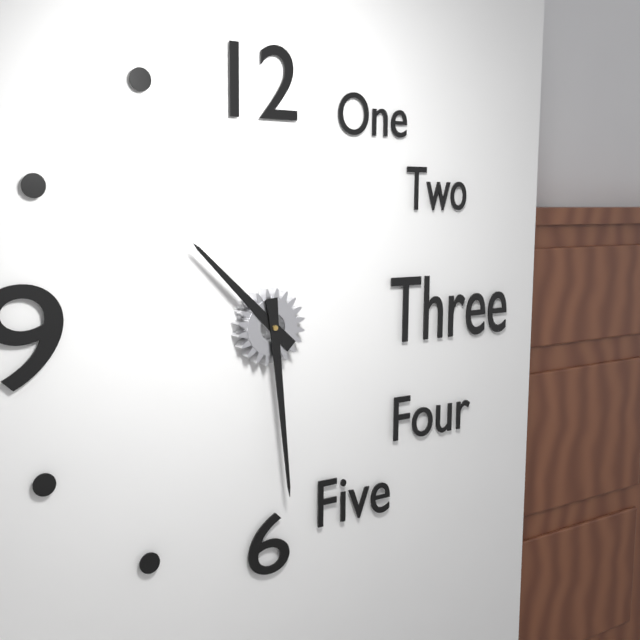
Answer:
h=10 m=29
